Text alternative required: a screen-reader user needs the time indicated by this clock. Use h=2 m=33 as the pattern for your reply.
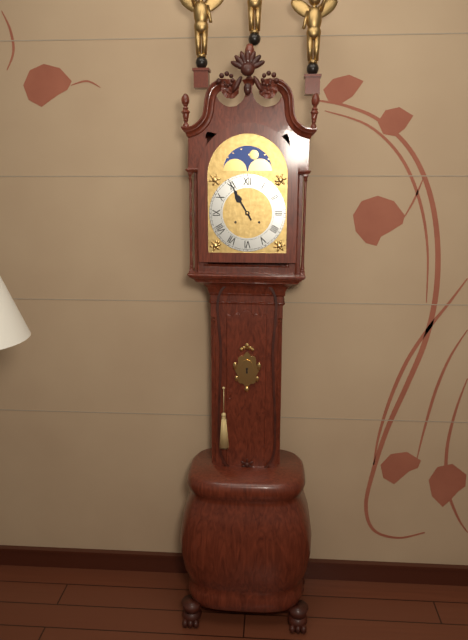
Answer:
h=10 m=55
